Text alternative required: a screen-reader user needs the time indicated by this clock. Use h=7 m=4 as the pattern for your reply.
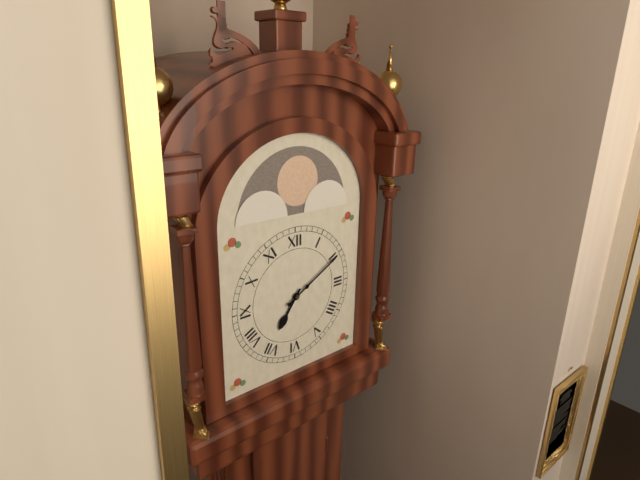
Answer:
h=7 m=10
